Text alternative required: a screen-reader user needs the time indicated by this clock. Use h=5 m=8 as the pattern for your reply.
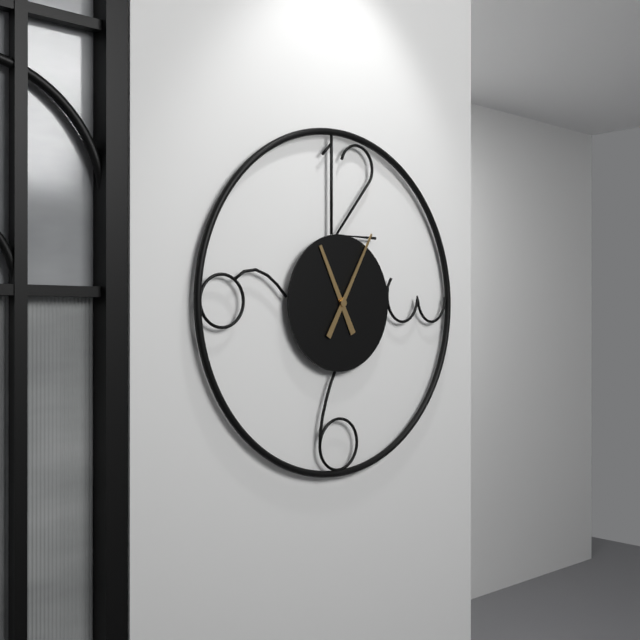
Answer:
h=11 m=5
